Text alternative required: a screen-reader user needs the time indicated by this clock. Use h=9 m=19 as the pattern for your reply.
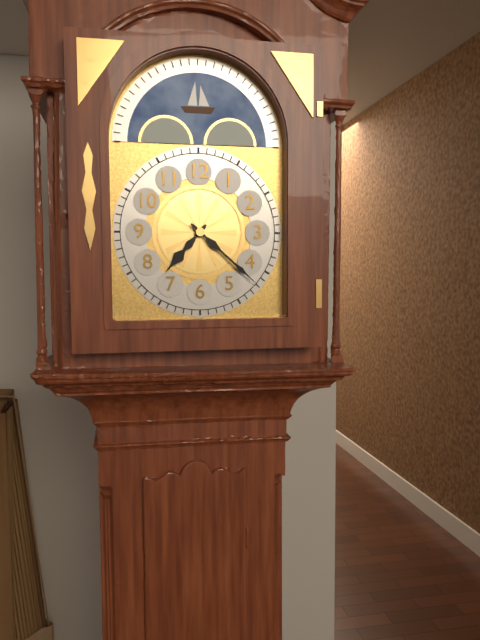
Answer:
h=7 m=22
